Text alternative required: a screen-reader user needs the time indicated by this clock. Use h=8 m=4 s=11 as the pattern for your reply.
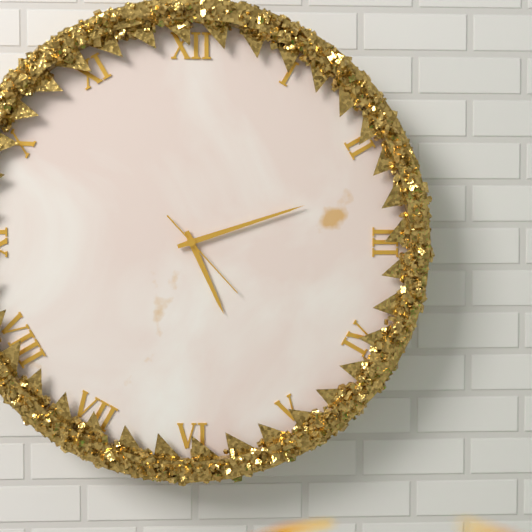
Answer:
h=5 m=12 s=23
